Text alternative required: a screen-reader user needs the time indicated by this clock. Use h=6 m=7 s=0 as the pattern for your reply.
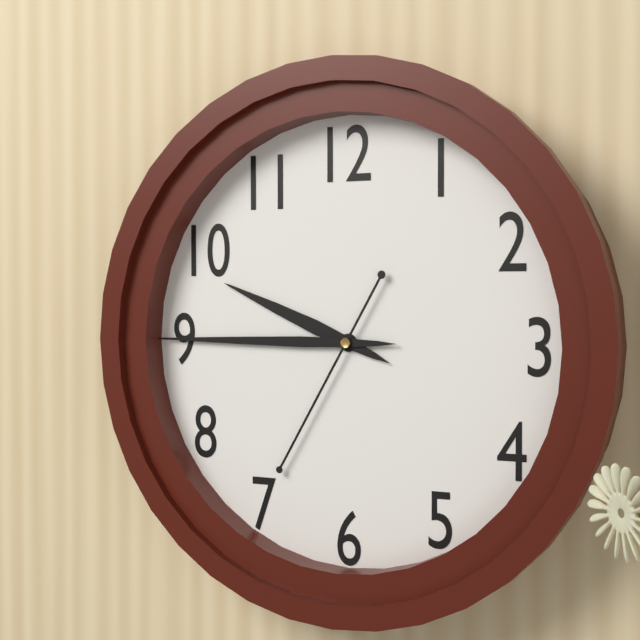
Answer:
h=9 m=45 s=35
